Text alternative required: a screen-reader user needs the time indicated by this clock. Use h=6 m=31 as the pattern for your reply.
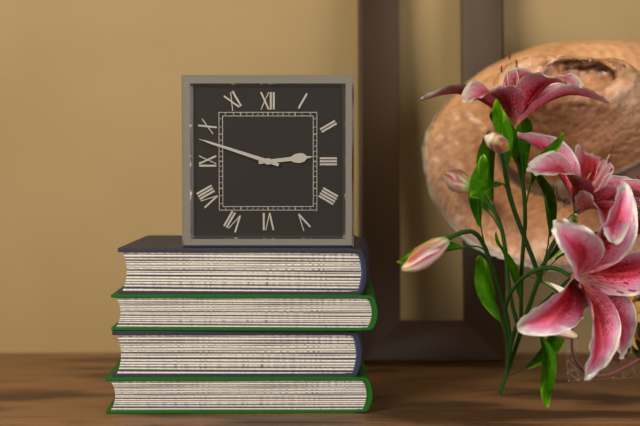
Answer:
h=2 m=48
